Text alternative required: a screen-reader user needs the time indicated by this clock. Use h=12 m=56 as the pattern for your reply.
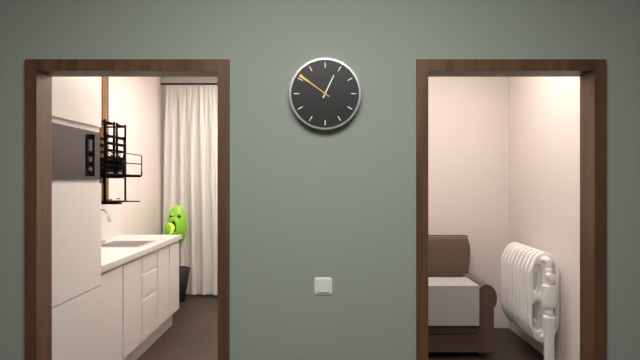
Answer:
h=12 m=51
